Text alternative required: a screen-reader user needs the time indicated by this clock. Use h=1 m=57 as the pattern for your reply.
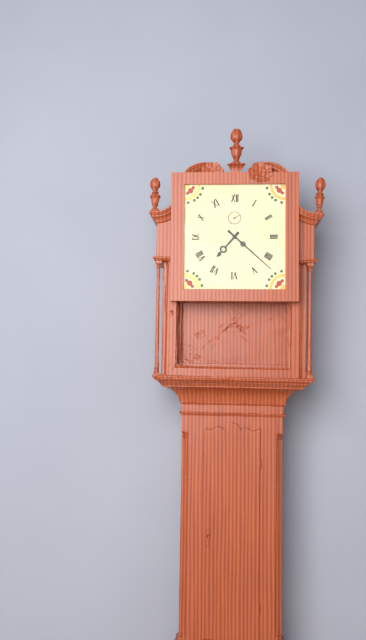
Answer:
h=7 m=22
